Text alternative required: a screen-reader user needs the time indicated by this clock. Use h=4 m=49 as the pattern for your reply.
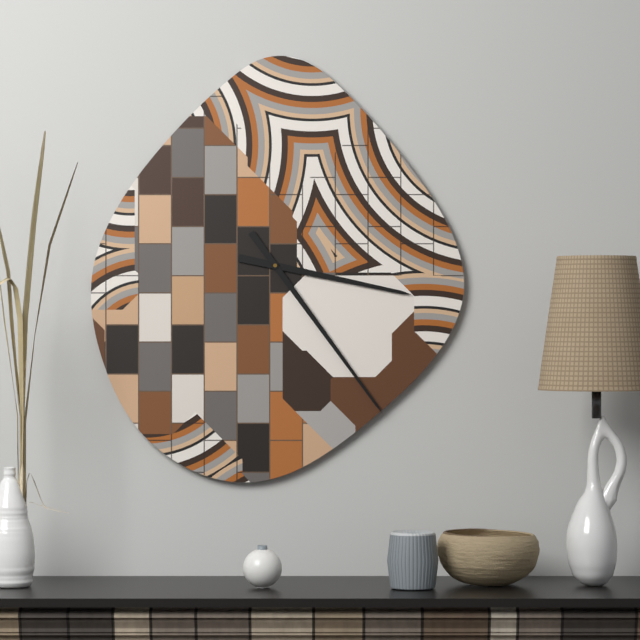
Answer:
h=3 m=24
